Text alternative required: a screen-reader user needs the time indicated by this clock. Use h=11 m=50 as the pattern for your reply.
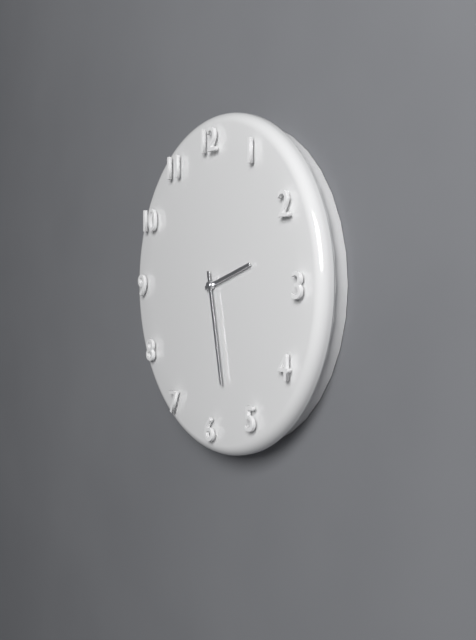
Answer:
h=2 m=28
